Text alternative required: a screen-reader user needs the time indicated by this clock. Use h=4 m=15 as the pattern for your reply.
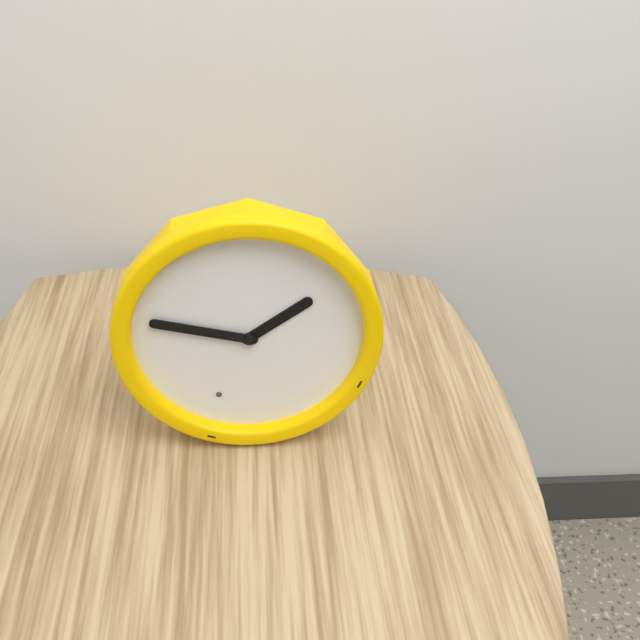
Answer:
h=1 m=47
